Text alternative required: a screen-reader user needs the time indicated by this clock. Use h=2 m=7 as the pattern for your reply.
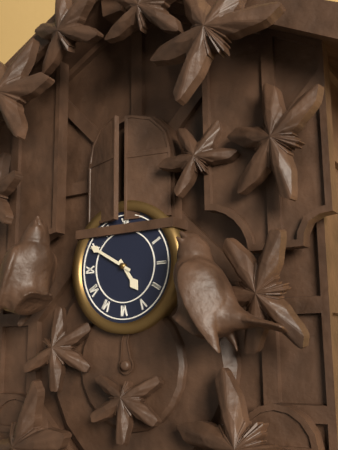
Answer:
h=4 m=50
